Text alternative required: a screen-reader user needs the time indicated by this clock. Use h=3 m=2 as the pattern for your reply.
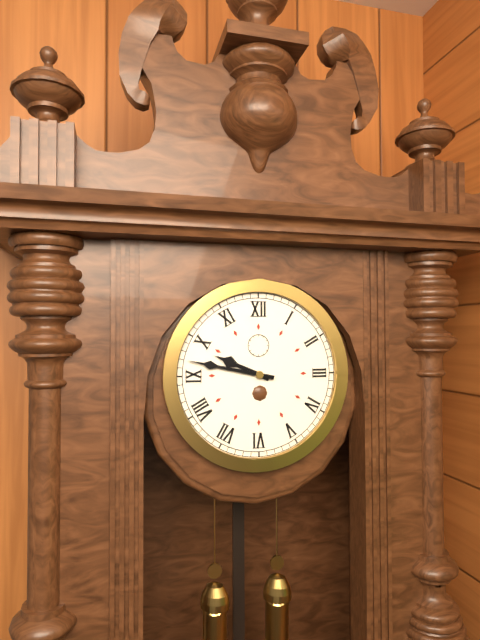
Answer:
h=9 m=47
